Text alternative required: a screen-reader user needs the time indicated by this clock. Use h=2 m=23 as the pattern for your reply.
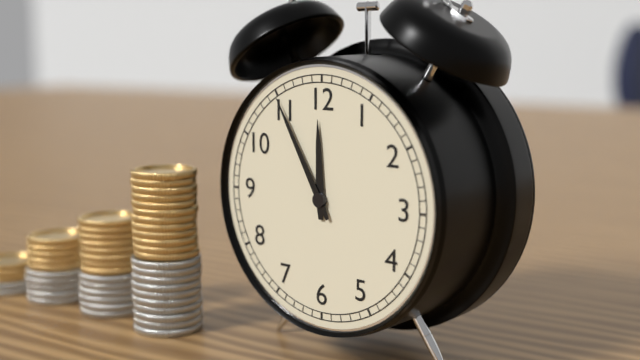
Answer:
h=11 m=55
